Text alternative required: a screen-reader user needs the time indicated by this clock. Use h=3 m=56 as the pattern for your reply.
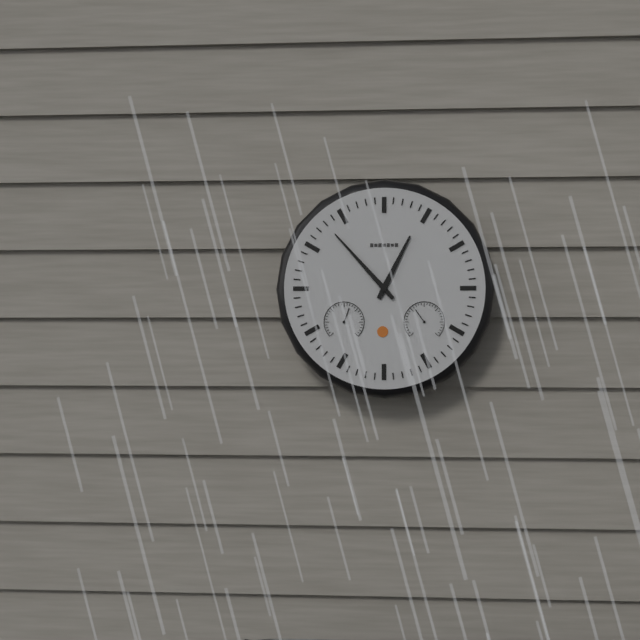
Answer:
h=12 m=53
